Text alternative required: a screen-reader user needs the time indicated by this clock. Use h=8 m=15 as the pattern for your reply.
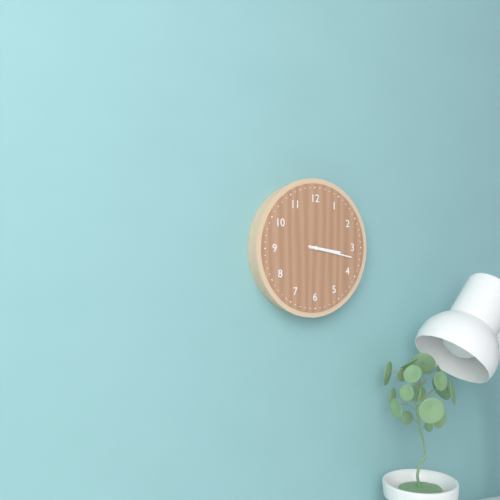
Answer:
h=3 m=17
